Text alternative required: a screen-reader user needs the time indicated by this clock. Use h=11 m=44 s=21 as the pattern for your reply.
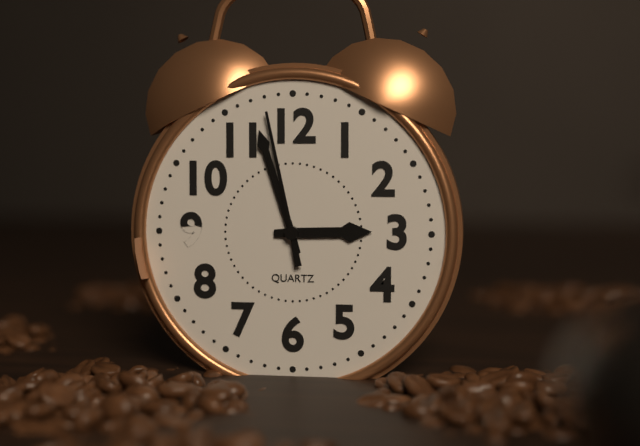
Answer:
h=2 m=57 s=58
